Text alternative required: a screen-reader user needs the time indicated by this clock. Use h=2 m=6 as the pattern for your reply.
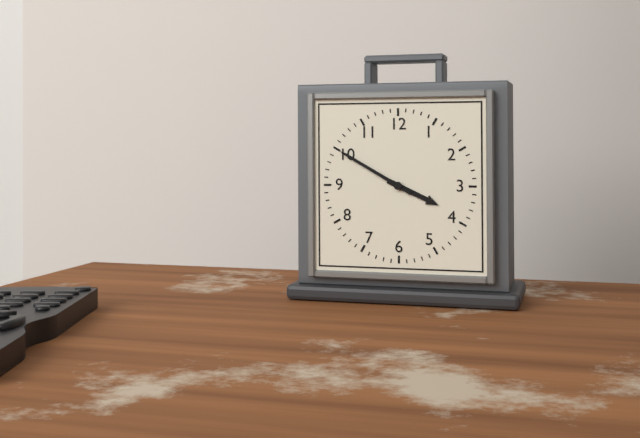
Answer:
h=3 m=50
